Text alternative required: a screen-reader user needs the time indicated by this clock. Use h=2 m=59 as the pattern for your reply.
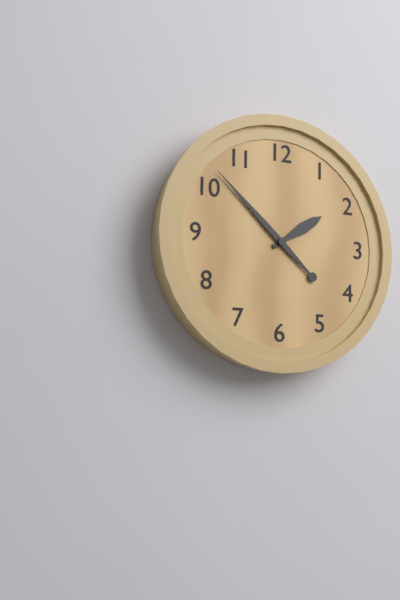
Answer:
h=1 m=52
